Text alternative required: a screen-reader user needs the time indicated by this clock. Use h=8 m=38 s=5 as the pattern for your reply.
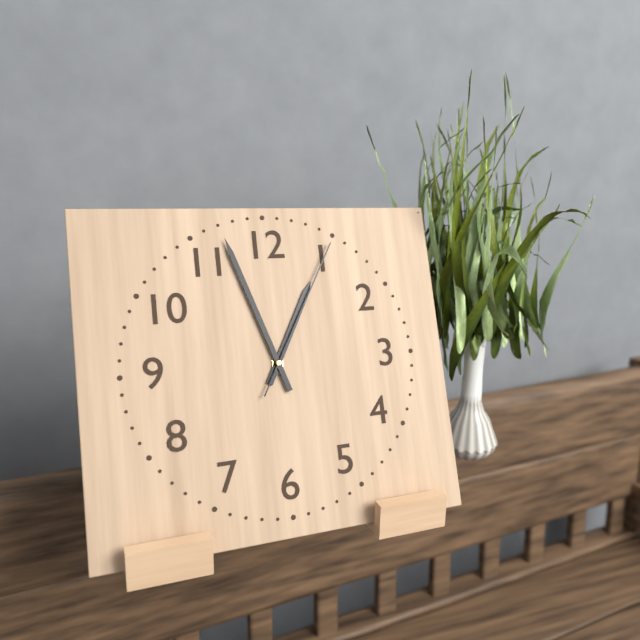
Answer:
h=12 m=57 s=5
